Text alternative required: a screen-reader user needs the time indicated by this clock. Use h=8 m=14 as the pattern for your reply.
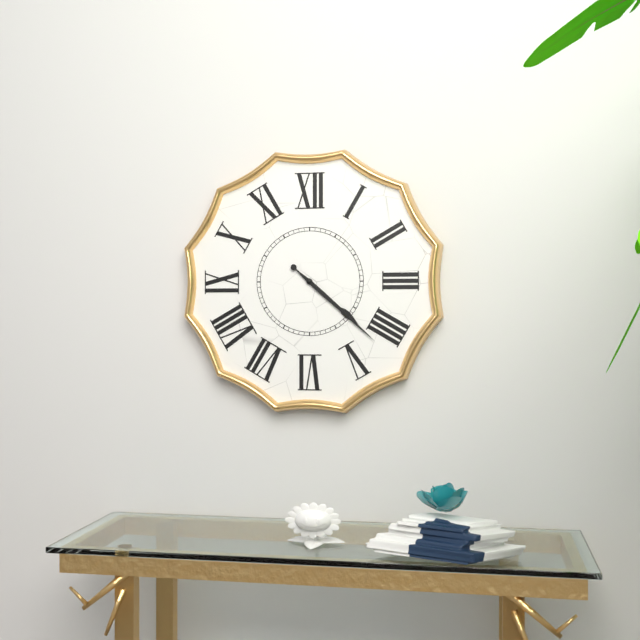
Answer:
h=4 m=22
